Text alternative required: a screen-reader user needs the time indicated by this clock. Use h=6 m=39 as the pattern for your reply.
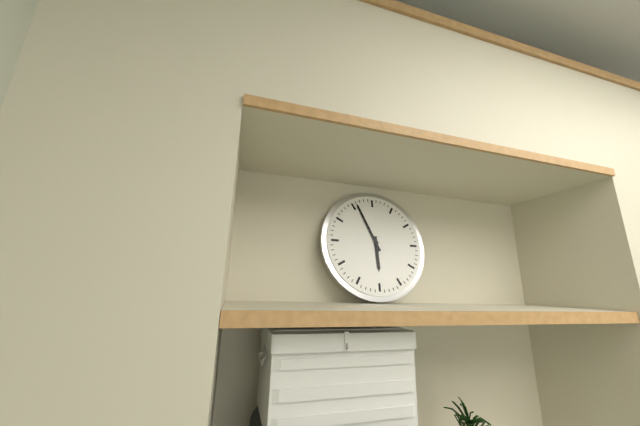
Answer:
h=5 m=56
